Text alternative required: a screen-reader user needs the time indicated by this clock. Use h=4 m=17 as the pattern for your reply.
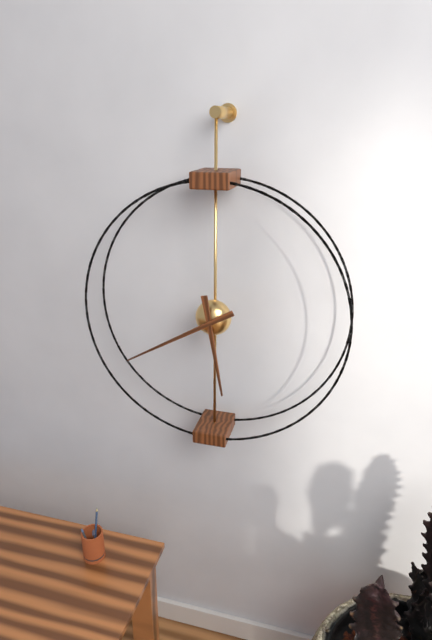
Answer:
h=5 m=40
